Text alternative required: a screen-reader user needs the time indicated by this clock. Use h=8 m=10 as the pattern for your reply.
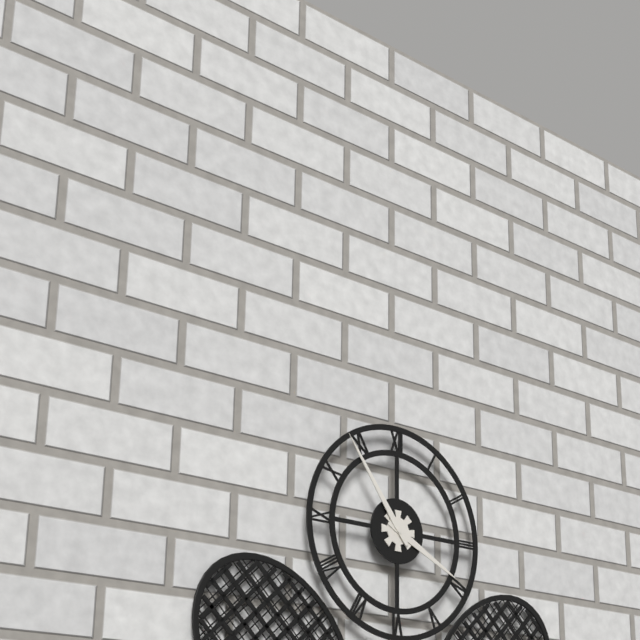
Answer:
h=3 m=54
